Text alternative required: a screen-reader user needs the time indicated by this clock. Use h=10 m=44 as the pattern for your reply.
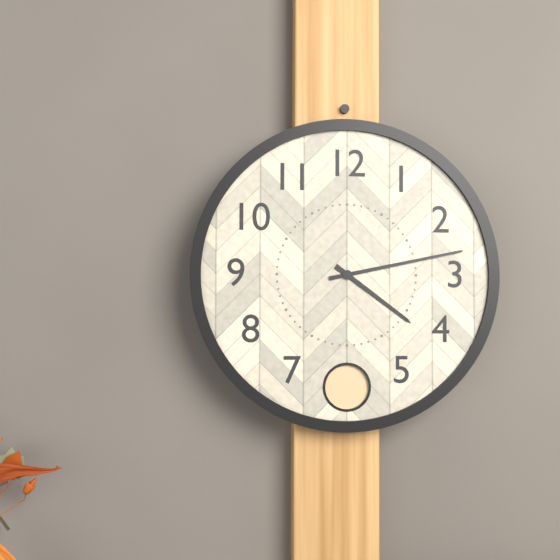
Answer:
h=4 m=13
